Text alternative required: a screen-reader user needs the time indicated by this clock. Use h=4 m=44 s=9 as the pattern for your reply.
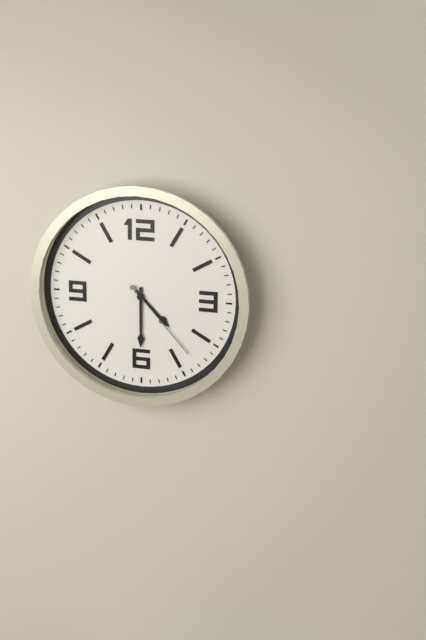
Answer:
h=4 m=30 s=23
